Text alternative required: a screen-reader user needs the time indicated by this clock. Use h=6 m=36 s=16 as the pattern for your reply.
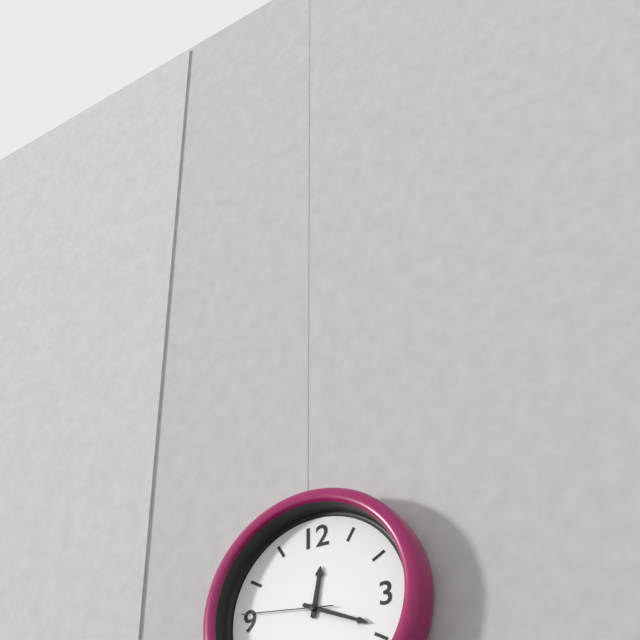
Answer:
h=12 m=19 s=46
